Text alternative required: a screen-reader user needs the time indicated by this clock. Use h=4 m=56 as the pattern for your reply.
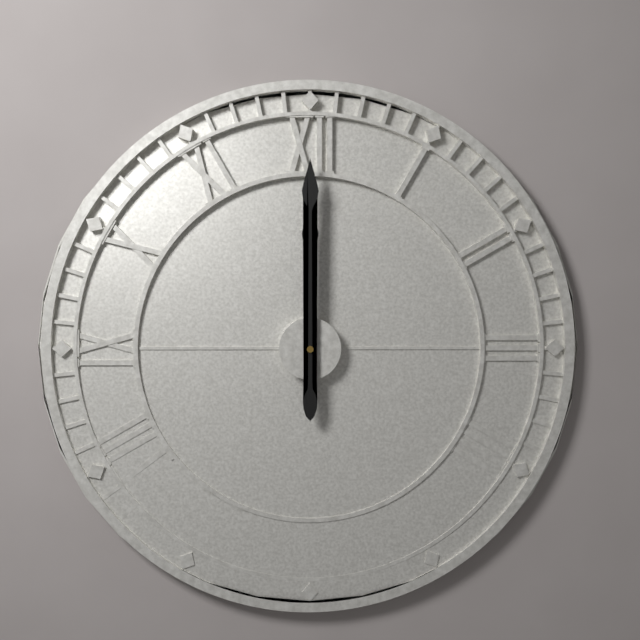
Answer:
h=12 m=0
